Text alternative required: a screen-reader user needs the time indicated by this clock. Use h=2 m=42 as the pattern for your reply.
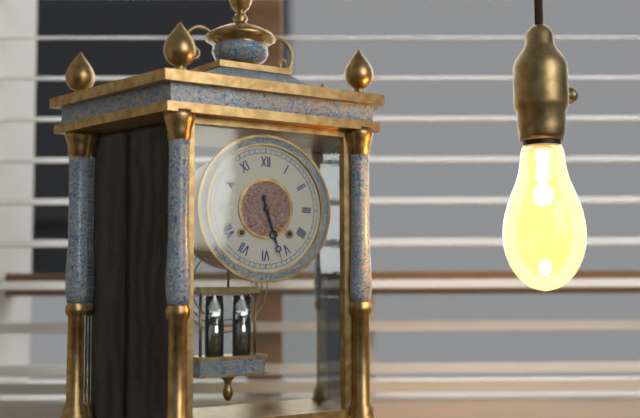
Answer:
h=5 m=27
